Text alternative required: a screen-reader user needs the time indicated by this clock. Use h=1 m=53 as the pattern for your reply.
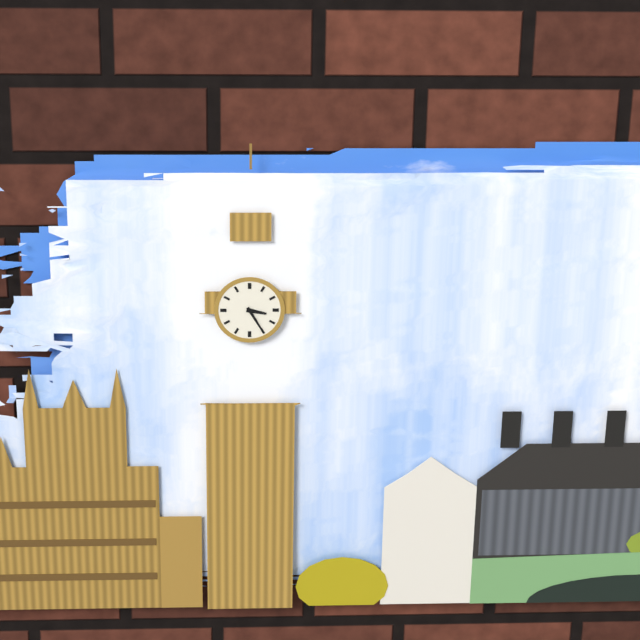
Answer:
h=3 m=25
